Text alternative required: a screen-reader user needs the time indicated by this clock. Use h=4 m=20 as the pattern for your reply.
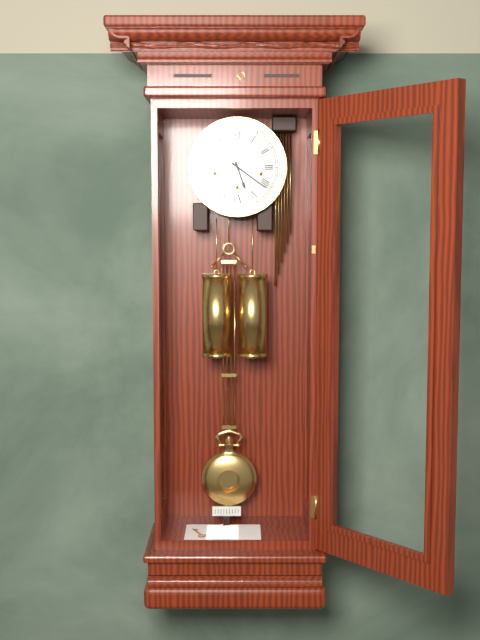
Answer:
h=5 m=21
